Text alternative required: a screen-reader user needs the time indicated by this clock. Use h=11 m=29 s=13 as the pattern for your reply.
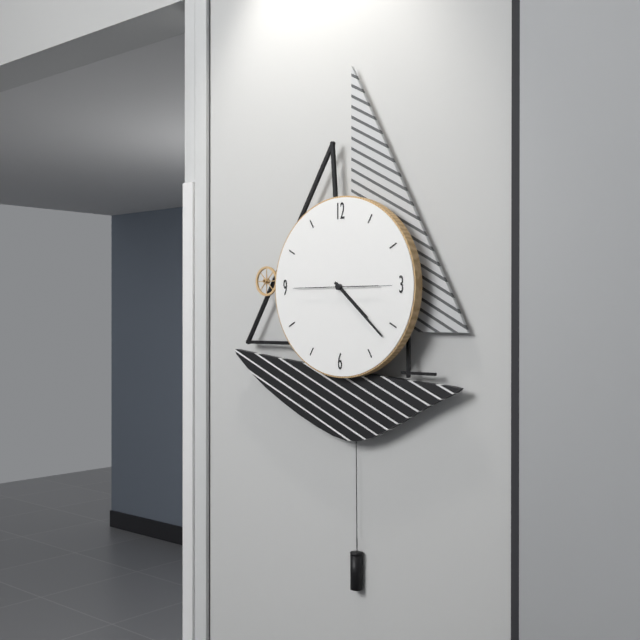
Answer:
h=4 m=22 s=45
